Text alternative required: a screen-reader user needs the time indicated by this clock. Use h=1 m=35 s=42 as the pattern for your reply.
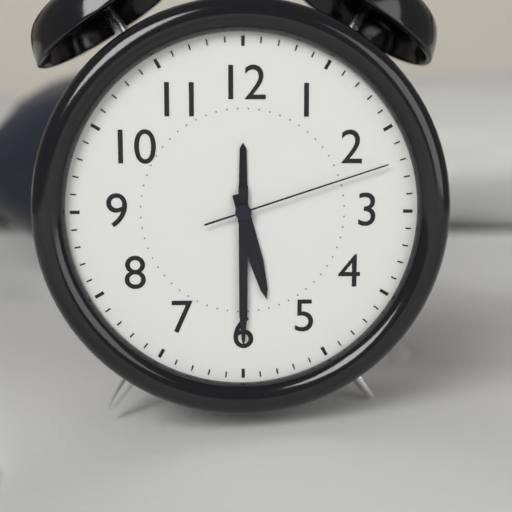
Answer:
h=5 m=30 s=12
